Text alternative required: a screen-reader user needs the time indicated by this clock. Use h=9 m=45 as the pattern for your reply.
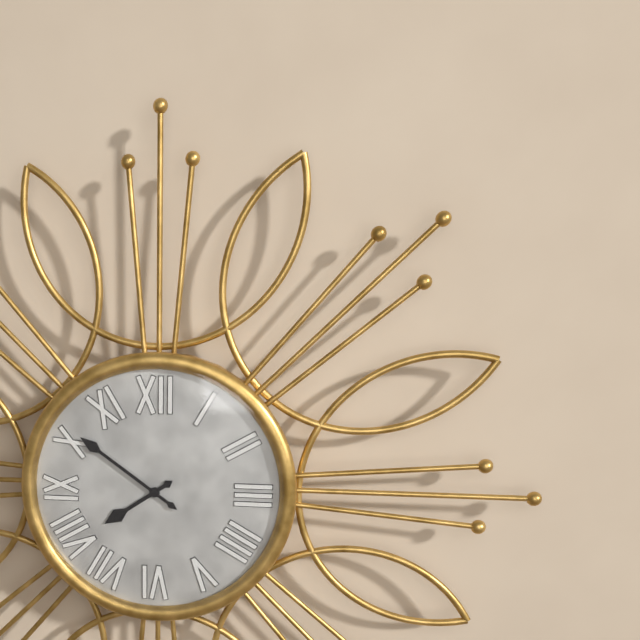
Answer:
h=7 m=51
